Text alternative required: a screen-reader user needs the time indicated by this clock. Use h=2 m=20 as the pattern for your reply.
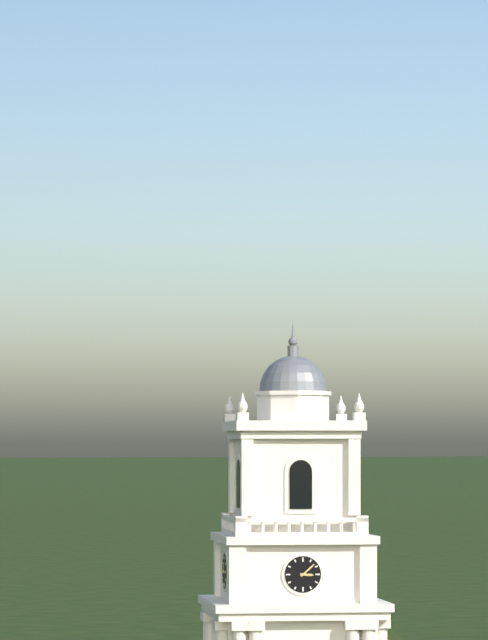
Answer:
h=3 m=8
